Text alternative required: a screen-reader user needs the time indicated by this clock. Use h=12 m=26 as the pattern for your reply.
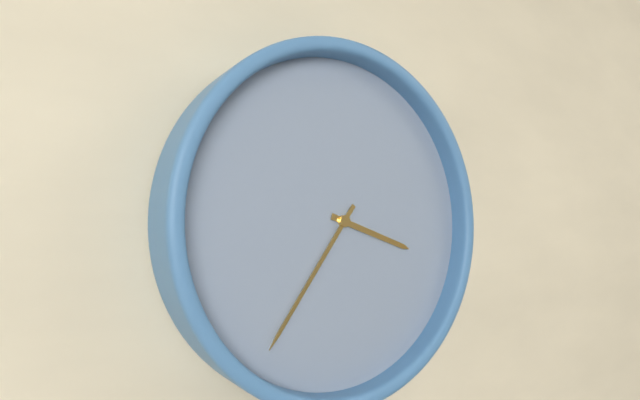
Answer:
h=3 m=36
